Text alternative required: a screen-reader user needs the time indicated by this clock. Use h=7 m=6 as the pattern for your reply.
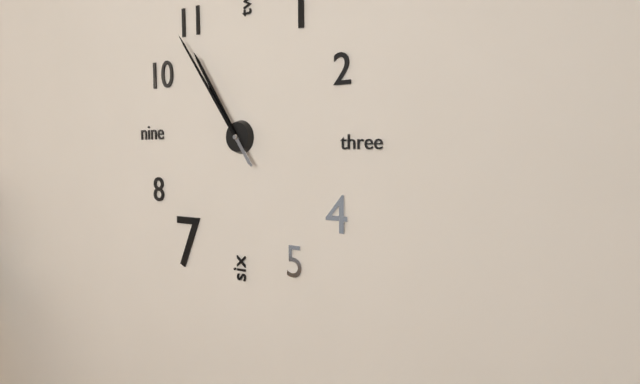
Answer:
h=10 m=54
